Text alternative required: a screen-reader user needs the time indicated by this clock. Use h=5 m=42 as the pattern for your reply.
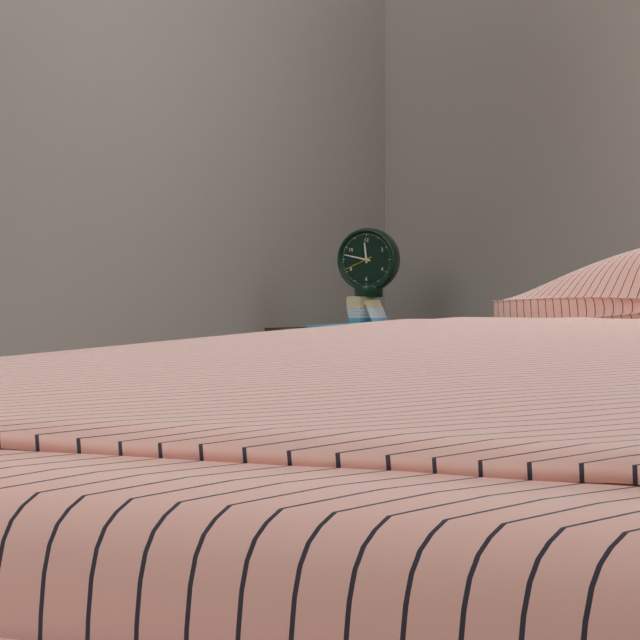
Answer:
h=11 m=47
